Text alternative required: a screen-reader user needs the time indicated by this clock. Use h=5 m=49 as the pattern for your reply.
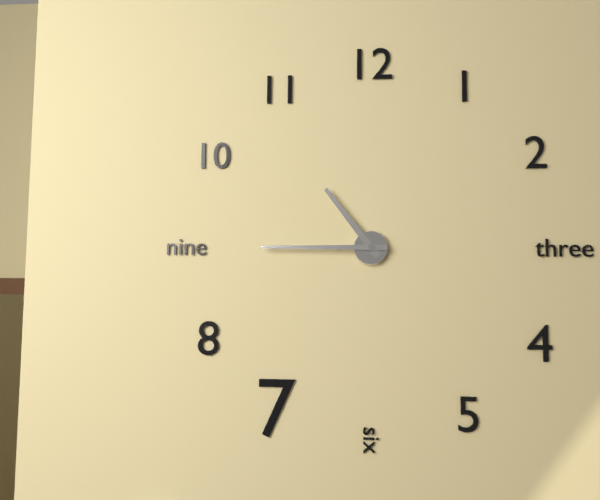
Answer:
h=10 m=45
